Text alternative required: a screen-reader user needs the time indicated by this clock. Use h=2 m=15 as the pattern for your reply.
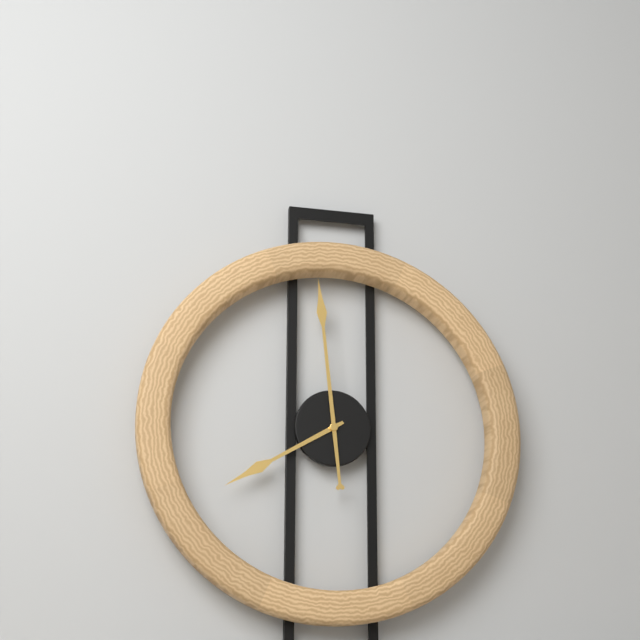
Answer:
h=7 m=59
